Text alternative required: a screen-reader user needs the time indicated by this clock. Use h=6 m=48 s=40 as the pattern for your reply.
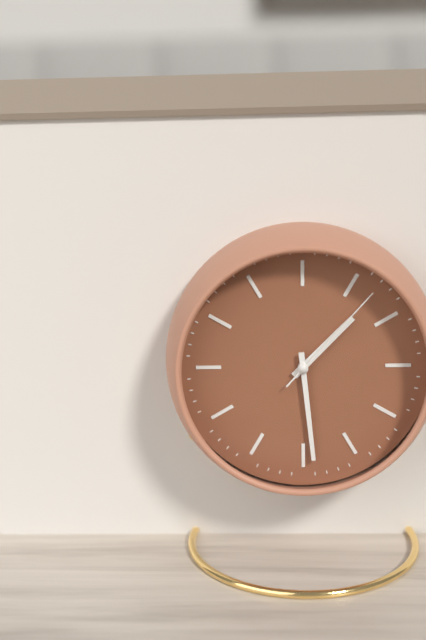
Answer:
h=1 m=29 s=7
